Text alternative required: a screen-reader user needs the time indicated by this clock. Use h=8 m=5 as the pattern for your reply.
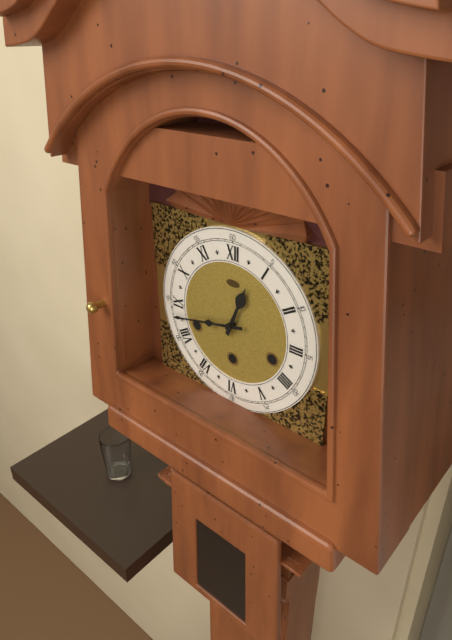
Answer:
h=12 m=43
